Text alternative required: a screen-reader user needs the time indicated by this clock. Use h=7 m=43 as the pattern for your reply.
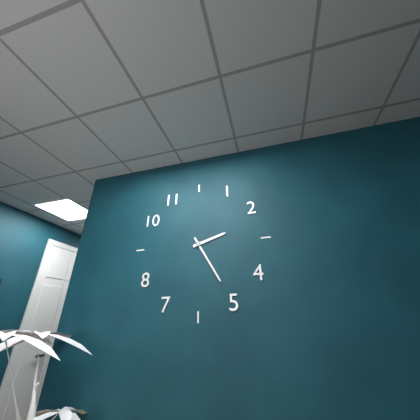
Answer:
h=2 m=25
